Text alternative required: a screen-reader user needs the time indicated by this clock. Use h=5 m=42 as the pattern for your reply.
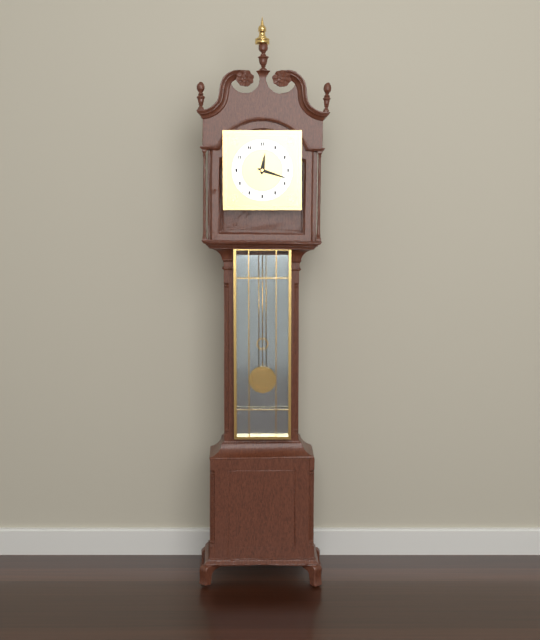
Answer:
h=12 m=18
